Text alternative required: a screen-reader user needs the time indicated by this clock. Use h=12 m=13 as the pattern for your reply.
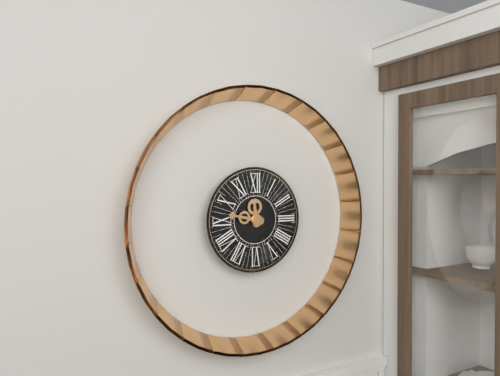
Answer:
h=11 m=47
